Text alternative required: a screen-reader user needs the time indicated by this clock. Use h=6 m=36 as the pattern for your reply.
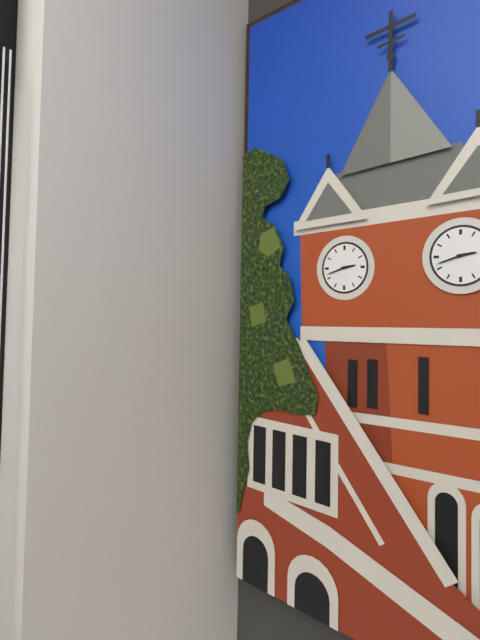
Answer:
h=2 m=42
